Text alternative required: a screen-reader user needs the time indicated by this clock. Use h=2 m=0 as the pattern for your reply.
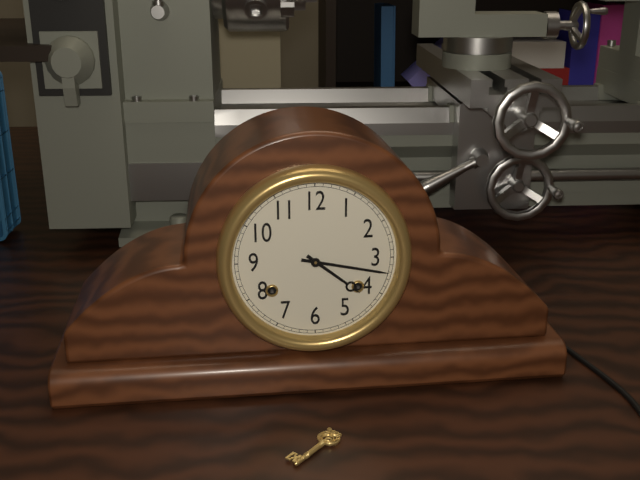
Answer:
h=4 m=17
